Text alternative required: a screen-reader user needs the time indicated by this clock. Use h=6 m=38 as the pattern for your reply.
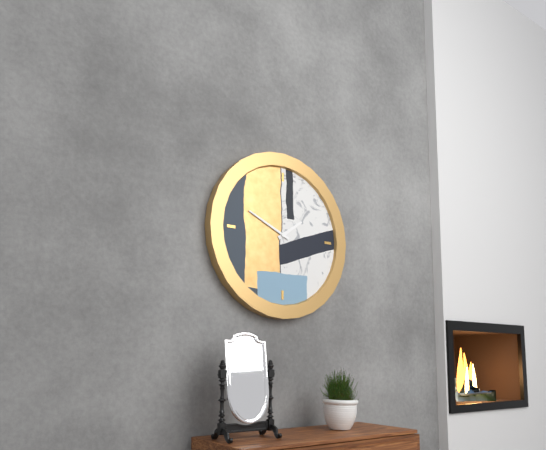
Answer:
h=1 m=49
